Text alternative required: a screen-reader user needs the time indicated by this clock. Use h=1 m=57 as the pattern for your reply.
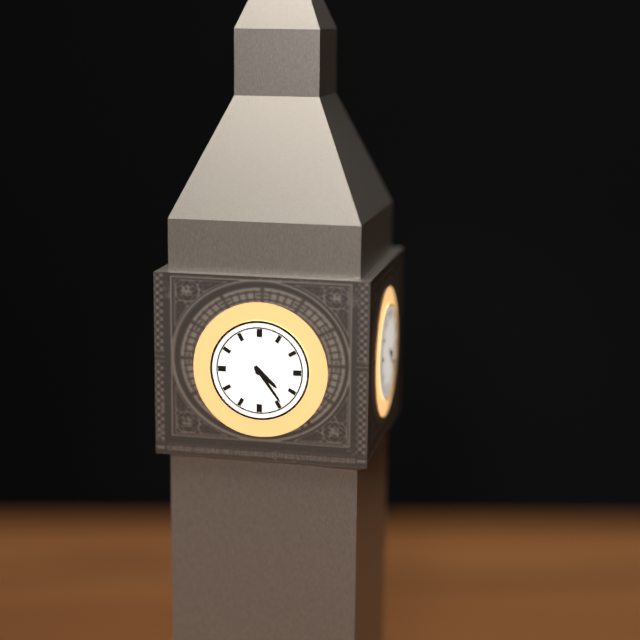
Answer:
h=4 m=24
